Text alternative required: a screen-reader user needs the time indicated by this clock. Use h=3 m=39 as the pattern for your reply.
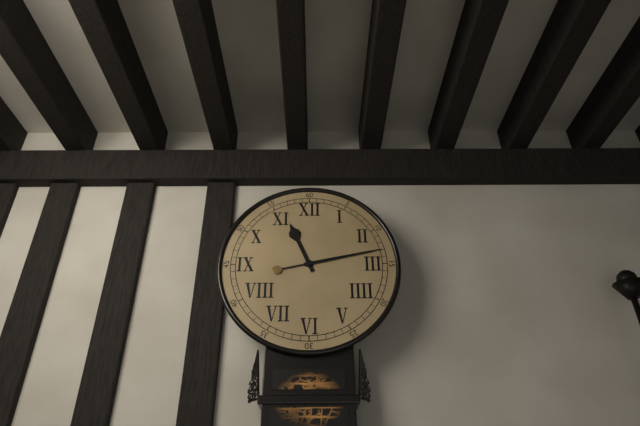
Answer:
h=11 m=13
